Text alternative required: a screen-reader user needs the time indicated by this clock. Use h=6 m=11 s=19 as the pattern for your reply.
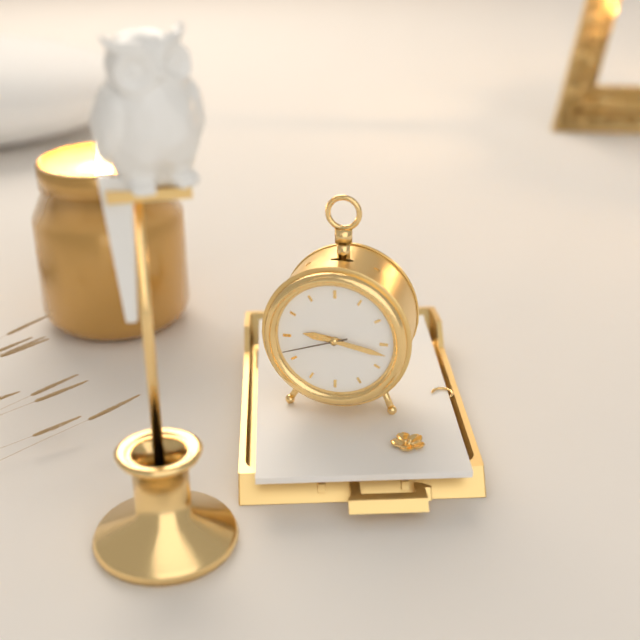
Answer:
h=9 m=17 s=42
